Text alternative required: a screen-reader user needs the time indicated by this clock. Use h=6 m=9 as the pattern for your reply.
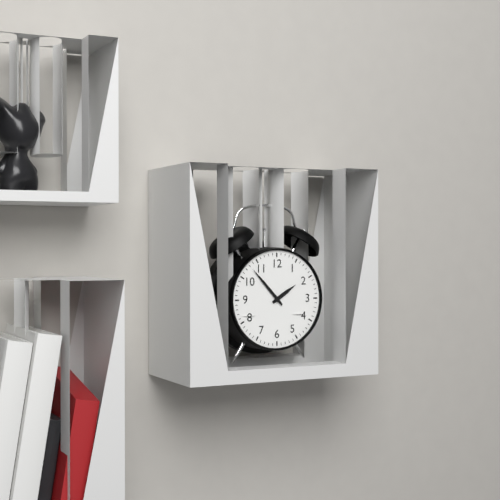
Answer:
h=1 m=53
